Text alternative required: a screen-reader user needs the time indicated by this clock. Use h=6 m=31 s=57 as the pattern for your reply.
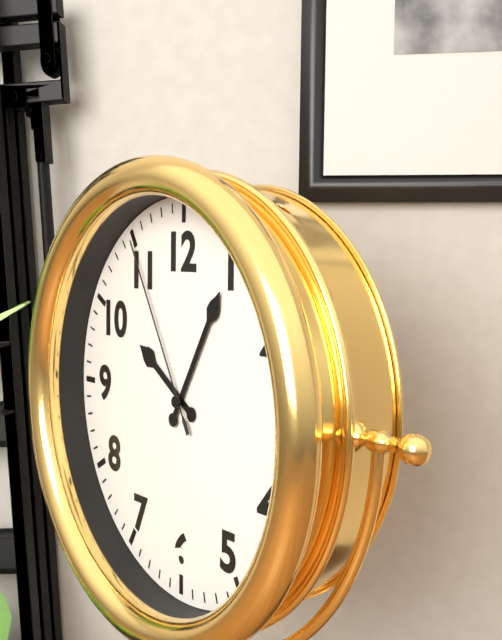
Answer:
h=10 m=5 s=55
